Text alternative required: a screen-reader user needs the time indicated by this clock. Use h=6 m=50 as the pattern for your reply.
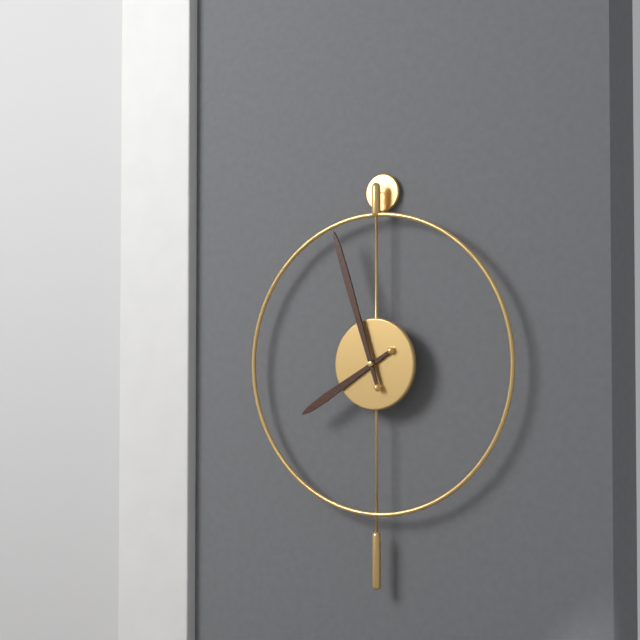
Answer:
h=7 m=57
